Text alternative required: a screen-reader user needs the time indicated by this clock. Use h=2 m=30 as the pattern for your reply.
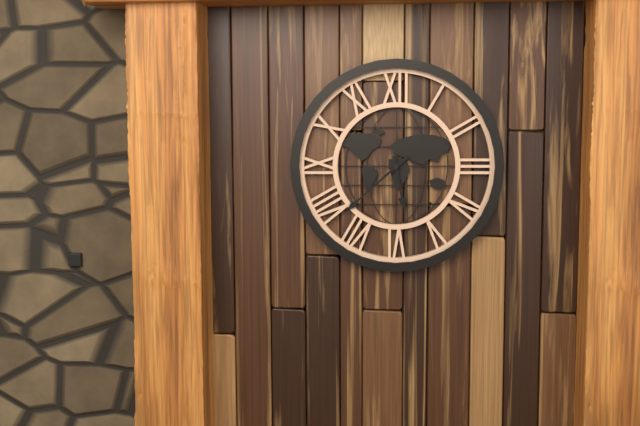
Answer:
h=5 m=38
